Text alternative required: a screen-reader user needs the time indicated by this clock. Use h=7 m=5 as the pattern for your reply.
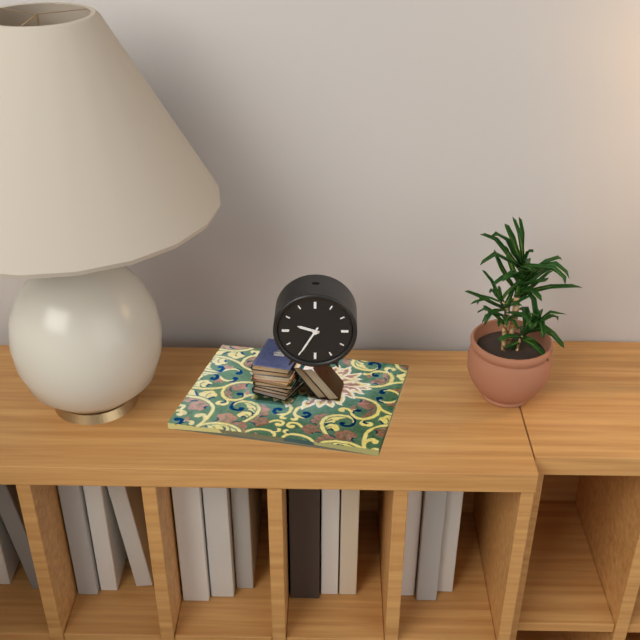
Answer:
h=9 m=35
